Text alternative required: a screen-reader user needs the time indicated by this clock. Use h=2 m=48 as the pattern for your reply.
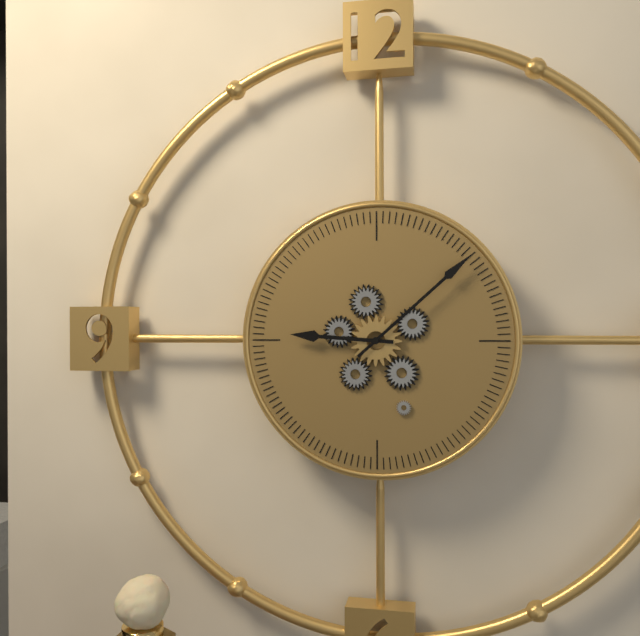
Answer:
h=9 m=8
